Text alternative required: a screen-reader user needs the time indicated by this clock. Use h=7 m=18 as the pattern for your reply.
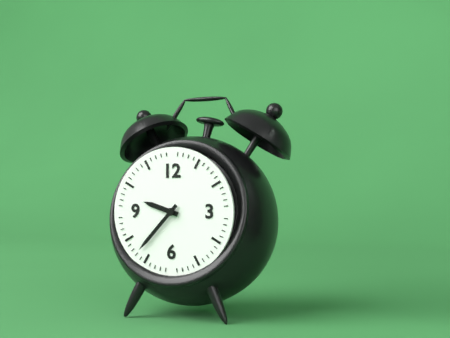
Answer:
h=9 m=37
